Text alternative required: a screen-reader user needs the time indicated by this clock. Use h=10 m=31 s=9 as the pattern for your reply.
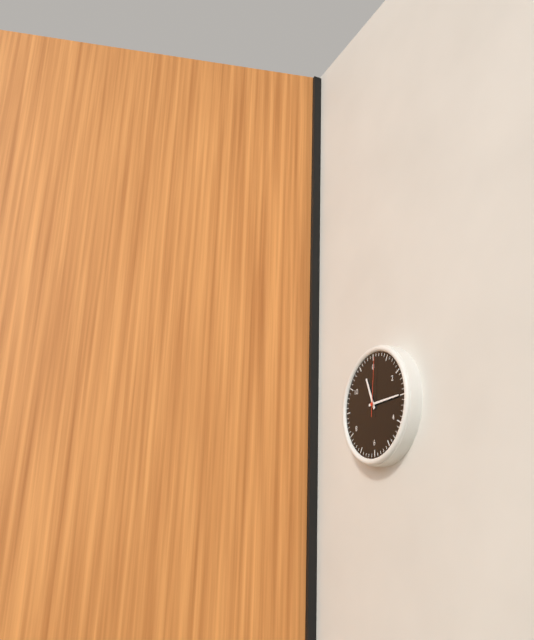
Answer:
h=11 m=15 s=1
